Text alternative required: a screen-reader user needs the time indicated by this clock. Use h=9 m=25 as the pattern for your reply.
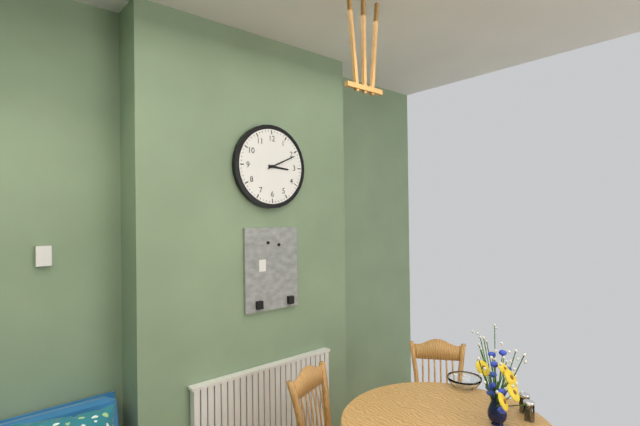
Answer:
h=3 m=11
